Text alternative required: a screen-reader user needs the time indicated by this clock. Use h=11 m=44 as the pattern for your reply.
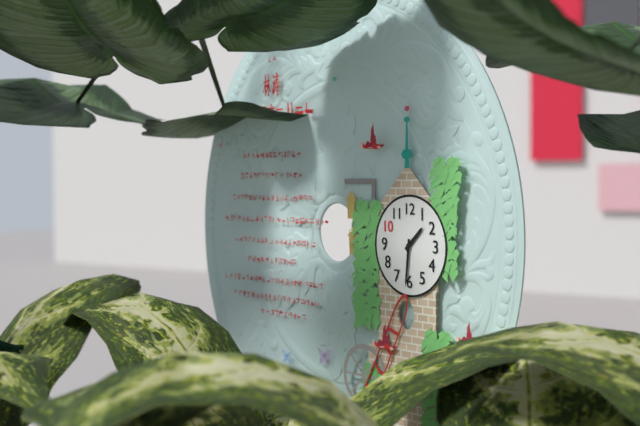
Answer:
h=1 m=31
